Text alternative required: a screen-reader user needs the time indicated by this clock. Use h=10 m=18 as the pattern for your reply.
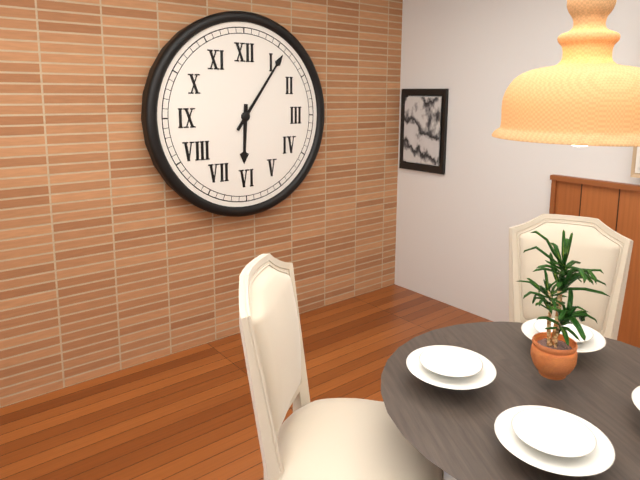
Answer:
h=6 m=6
